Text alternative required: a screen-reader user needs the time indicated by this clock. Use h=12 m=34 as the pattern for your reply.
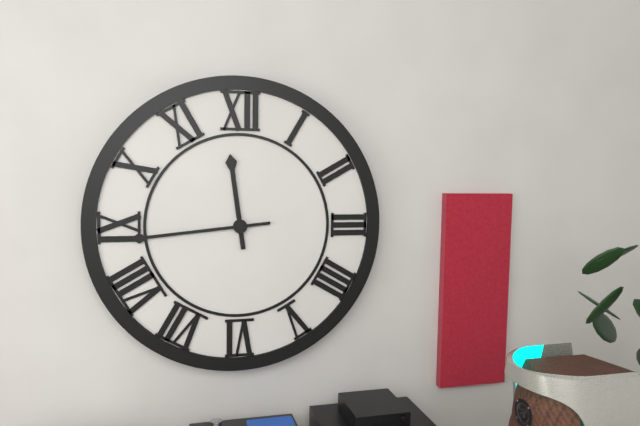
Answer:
h=11 m=44
